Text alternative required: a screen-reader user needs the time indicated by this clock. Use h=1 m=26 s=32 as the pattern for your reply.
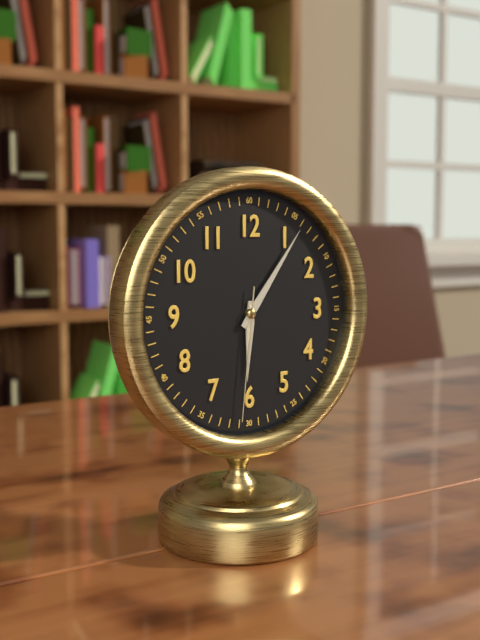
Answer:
h=6 m=6 s=31
